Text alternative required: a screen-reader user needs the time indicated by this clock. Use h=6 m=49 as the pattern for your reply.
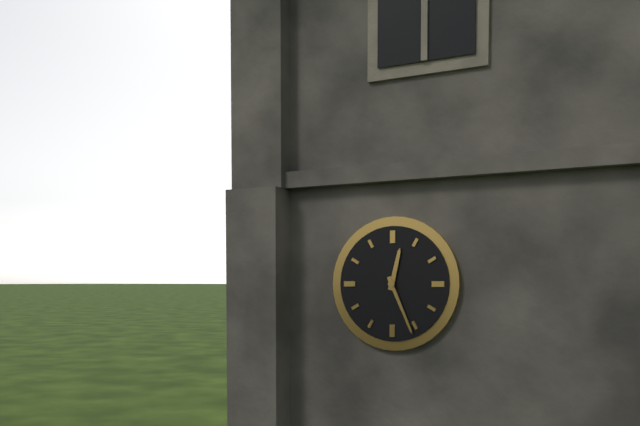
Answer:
h=12 m=26
